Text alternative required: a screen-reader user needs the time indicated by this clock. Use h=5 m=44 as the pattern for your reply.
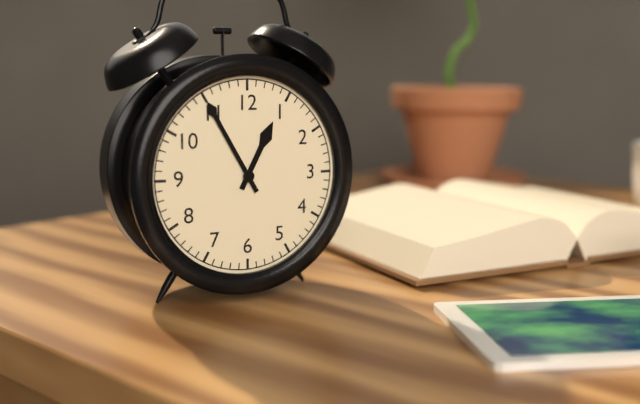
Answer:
h=12 m=55
